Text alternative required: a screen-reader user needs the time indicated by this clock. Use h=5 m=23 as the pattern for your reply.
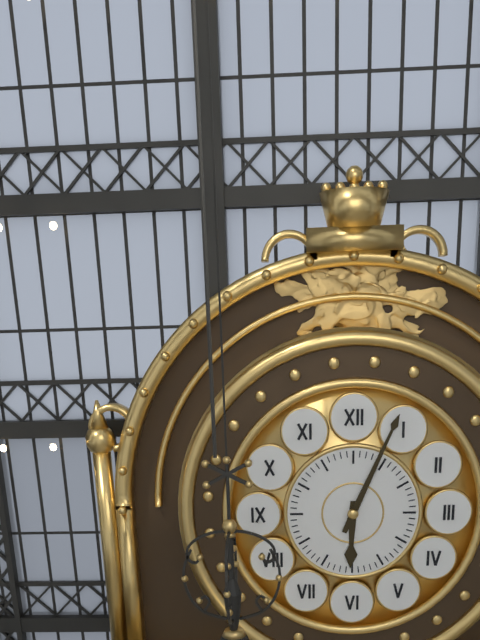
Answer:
h=6 m=4
